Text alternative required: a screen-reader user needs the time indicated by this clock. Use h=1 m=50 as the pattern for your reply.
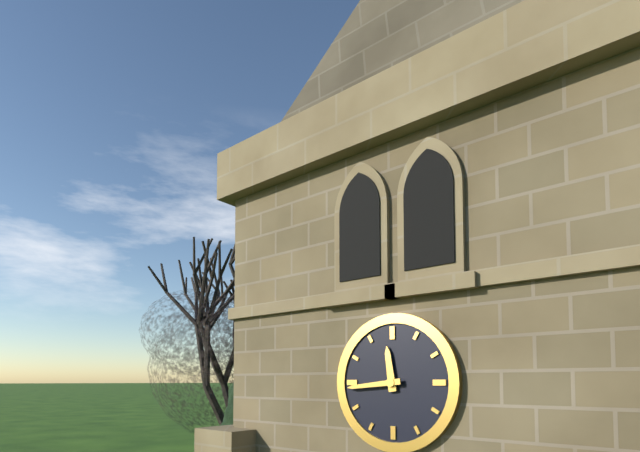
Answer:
h=11 m=44
